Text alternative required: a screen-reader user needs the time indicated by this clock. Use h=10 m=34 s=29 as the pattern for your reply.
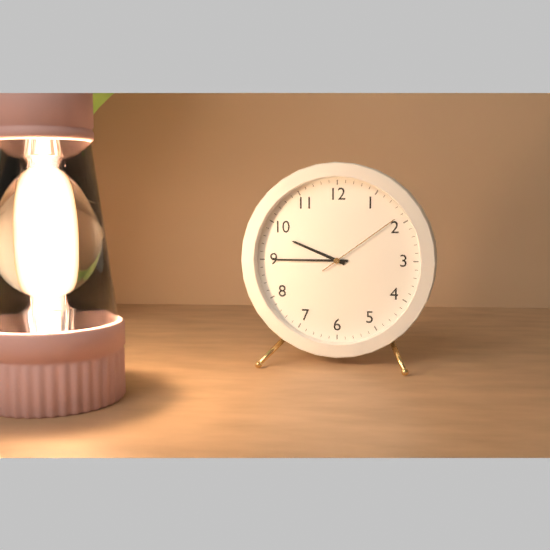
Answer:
h=9 m=45 s=9
